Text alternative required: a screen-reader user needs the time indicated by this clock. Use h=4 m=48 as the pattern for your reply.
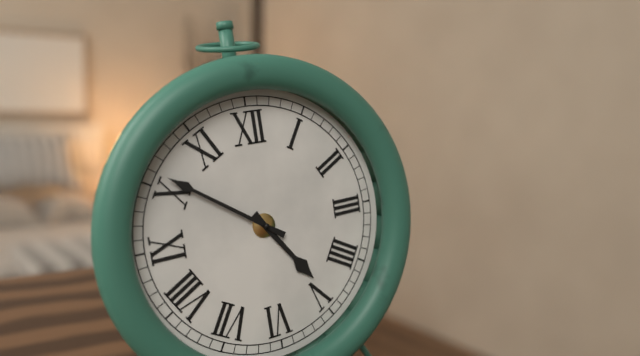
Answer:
h=4 m=51
